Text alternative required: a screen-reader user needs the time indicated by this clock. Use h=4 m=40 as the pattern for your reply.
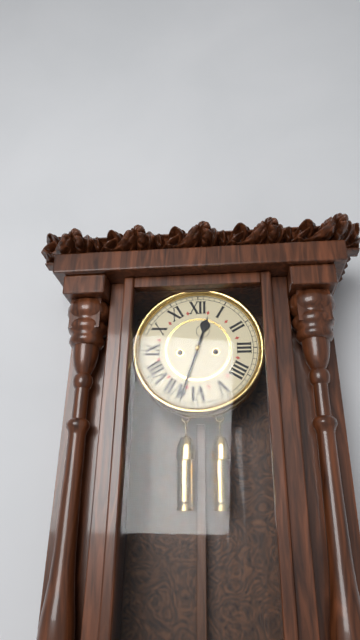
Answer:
h=12 m=33
